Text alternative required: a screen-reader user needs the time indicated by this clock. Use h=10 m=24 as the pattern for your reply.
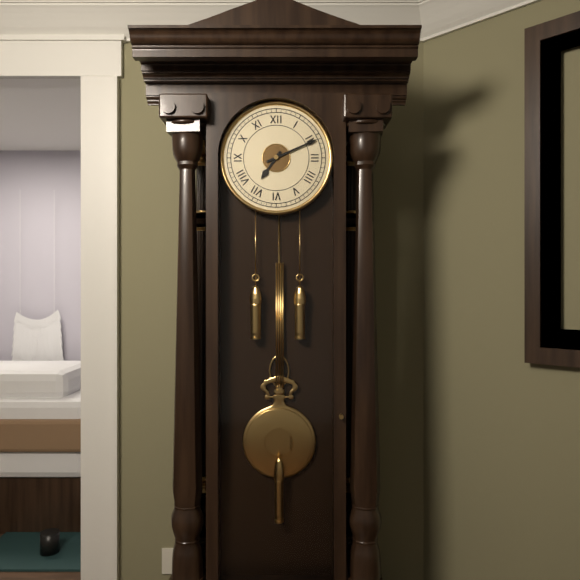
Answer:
h=7 m=11
